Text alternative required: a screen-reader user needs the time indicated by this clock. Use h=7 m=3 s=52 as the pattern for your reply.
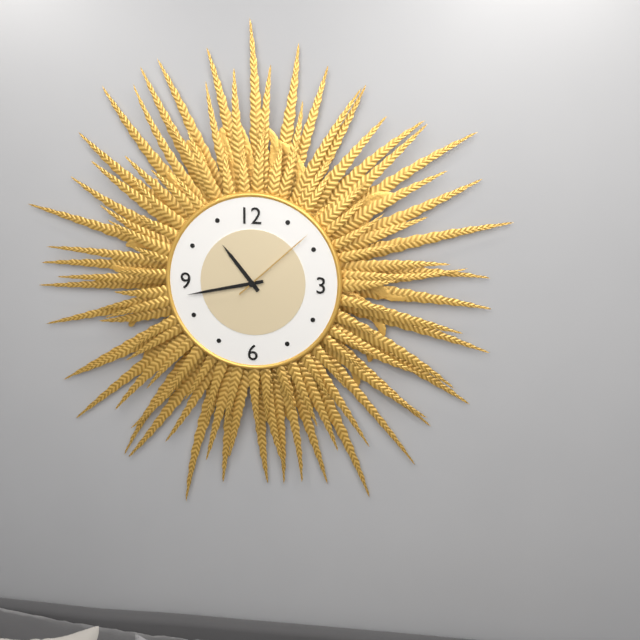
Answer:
h=10 m=43 s=8
